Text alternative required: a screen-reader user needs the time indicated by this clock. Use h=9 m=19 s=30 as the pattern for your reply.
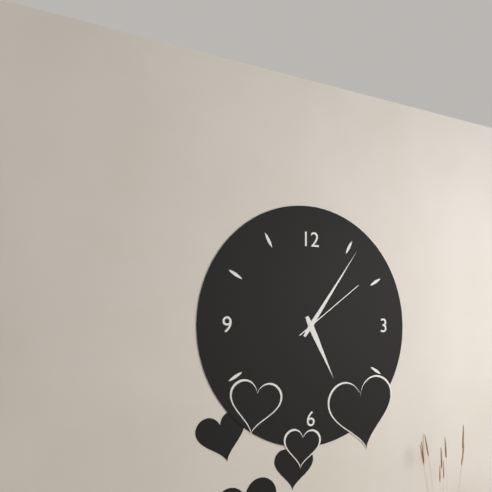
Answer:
h=5 m=6 s=9
